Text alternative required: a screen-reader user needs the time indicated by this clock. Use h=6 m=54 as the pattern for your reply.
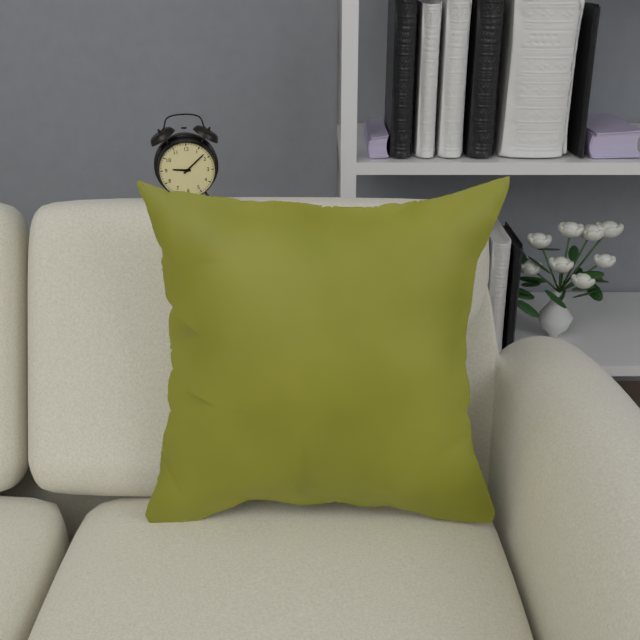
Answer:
h=9 m=8
